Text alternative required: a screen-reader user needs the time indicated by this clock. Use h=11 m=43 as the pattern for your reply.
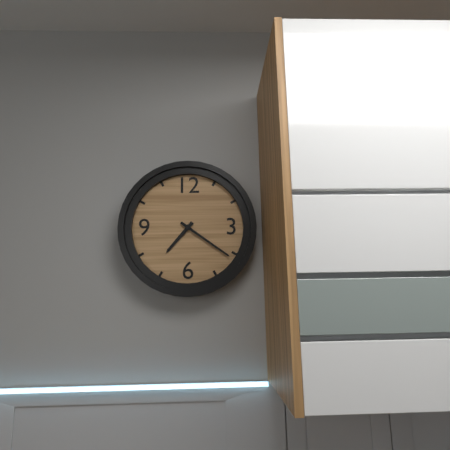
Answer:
h=7 m=21
